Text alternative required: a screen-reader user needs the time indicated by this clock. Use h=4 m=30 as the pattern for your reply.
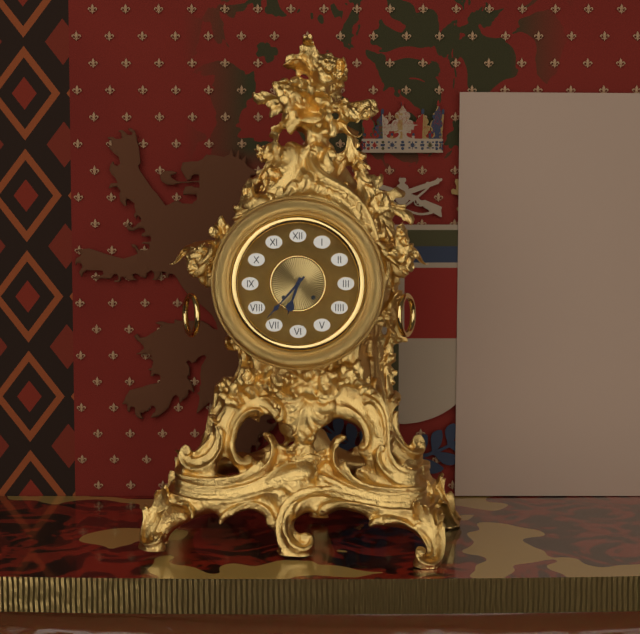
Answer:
h=6 m=37
